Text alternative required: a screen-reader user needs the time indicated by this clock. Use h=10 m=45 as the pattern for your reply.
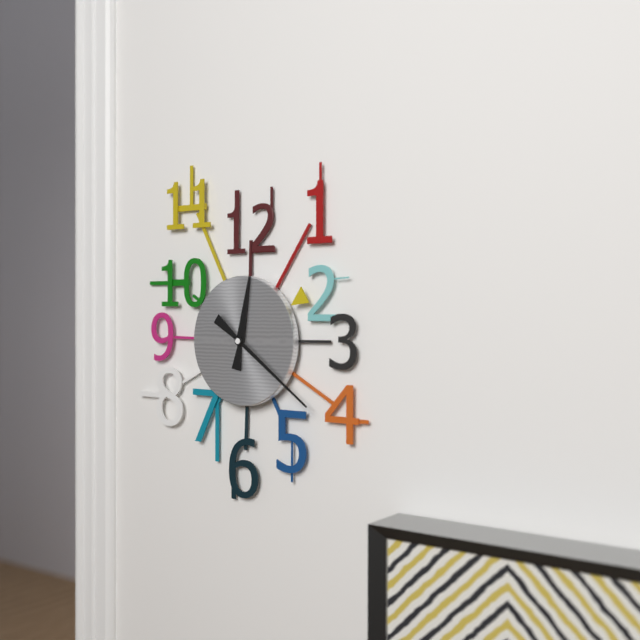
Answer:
h=12 m=21
